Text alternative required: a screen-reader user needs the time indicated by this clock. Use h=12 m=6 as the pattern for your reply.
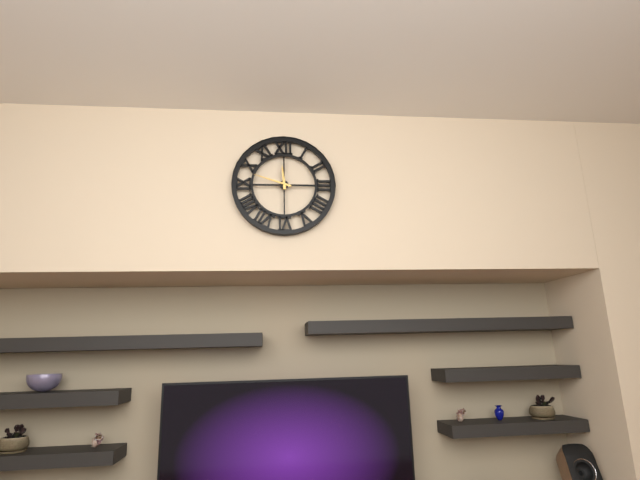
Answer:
h=11 m=48
